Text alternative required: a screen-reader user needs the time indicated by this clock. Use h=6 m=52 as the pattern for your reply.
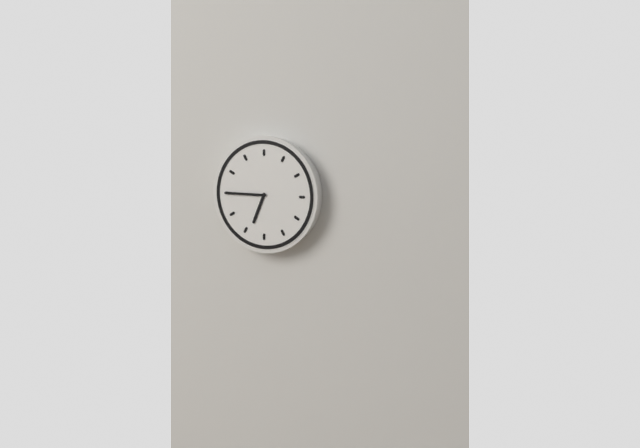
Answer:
h=6 m=45
